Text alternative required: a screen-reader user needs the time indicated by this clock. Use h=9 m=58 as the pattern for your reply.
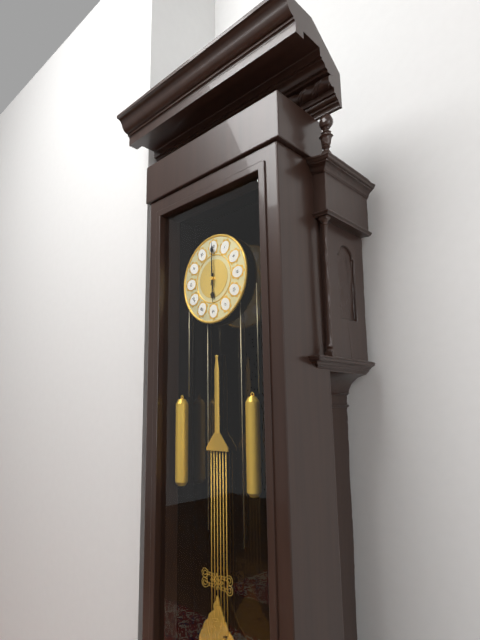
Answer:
h=6 m=0
